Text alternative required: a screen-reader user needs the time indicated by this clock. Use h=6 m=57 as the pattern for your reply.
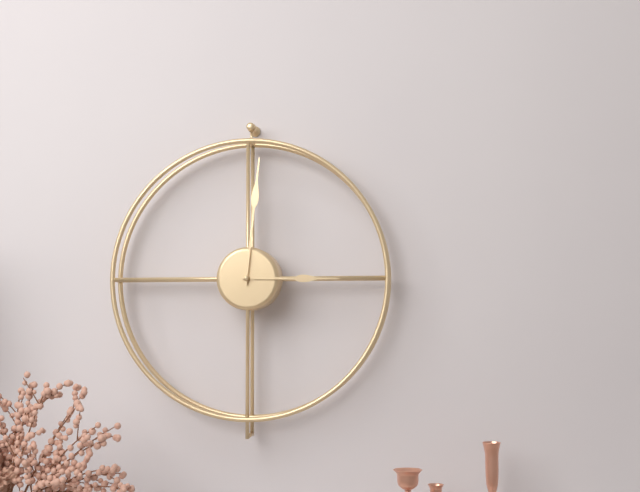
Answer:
h=3 m=1
